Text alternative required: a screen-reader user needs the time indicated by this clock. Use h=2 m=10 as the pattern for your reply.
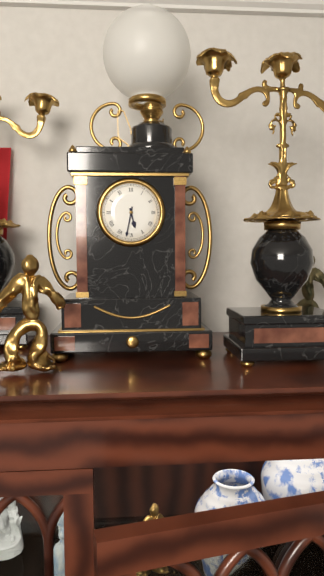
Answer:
h=5 m=32
